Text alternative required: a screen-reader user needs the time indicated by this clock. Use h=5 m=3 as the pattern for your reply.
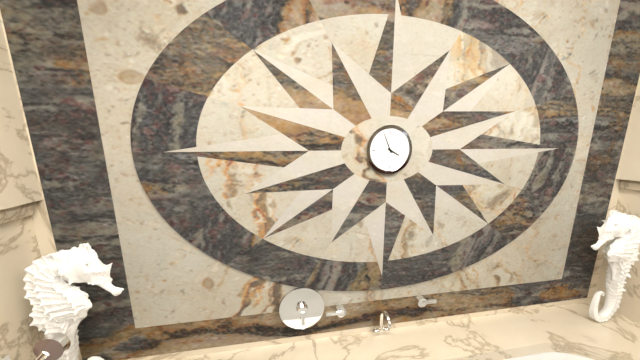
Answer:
h=3 m=56
